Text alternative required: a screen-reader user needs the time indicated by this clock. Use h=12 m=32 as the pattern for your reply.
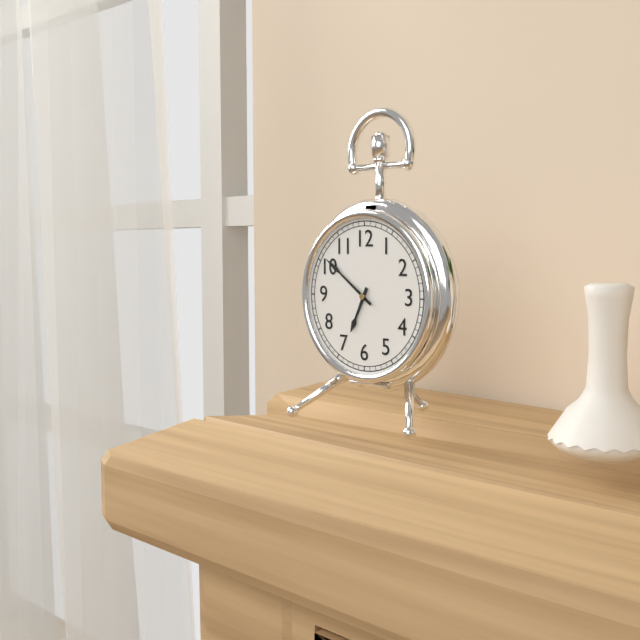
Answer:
h=6 m=51
